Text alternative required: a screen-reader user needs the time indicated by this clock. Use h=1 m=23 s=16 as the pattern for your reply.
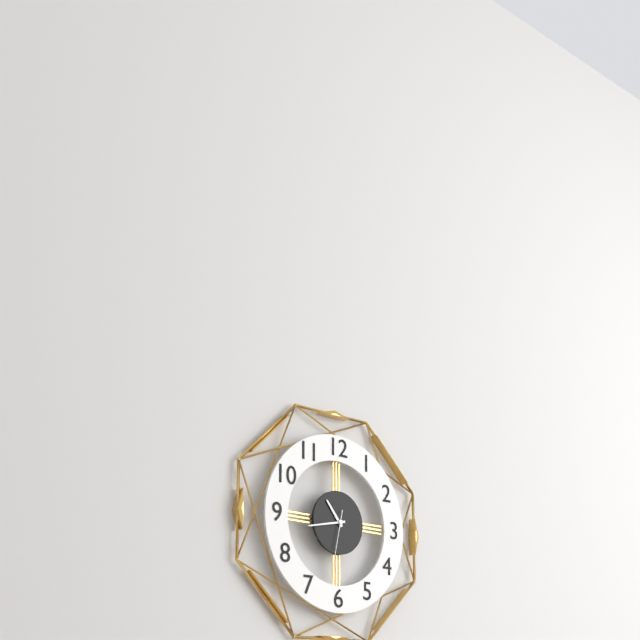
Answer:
h=10 m=43 s=32
